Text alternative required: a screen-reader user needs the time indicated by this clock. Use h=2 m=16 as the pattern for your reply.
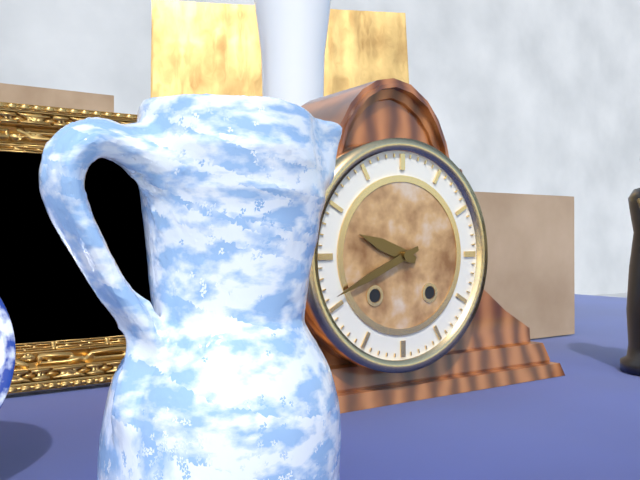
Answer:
h=9 m=41
